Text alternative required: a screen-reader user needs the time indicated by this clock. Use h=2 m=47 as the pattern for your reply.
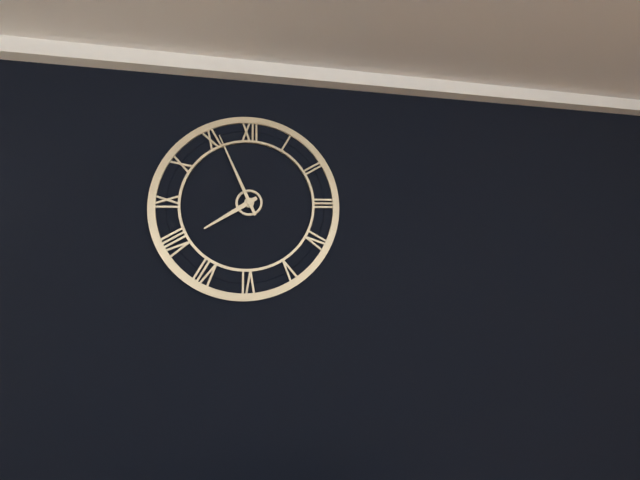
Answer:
h=7 m=56
